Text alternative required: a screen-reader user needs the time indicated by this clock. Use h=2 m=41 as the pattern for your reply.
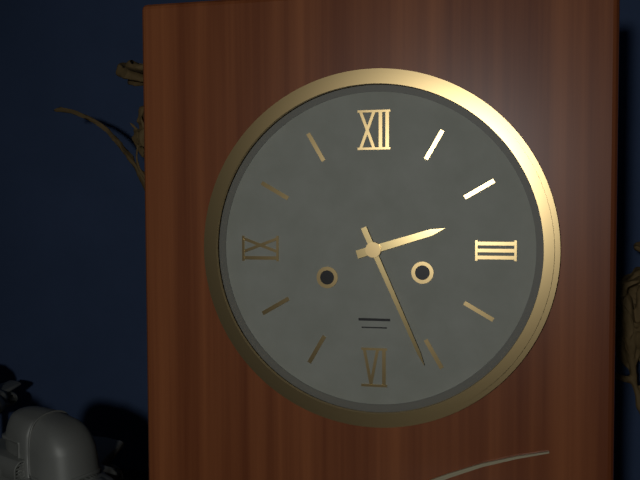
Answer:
h=2 m=26
